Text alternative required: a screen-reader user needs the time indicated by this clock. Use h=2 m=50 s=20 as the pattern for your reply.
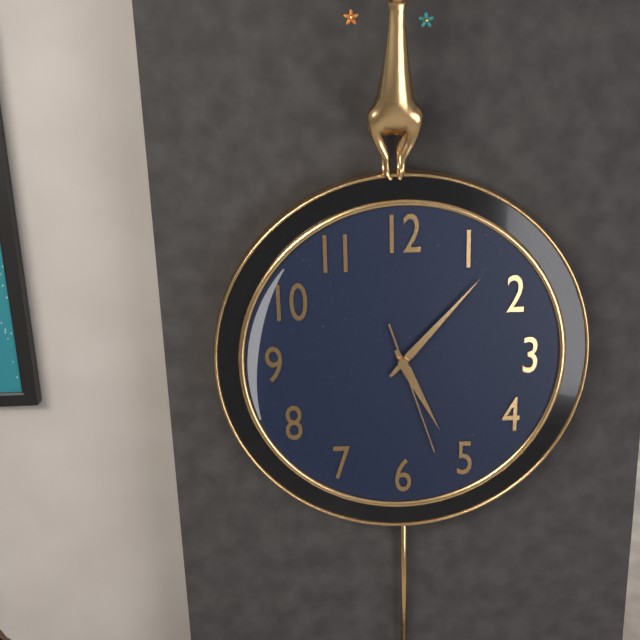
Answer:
h=5 m=7 s=27
